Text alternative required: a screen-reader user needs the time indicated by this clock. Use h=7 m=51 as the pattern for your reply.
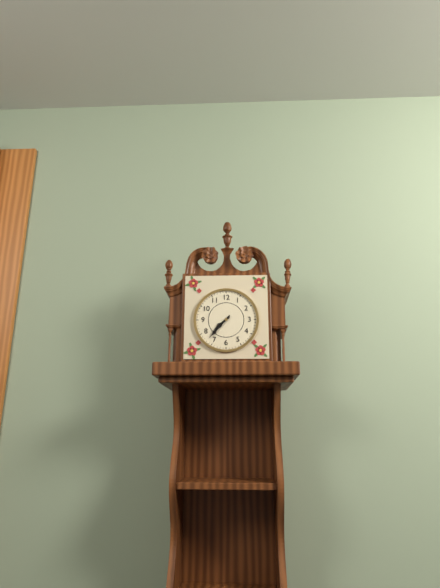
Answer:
h=7 m=37
